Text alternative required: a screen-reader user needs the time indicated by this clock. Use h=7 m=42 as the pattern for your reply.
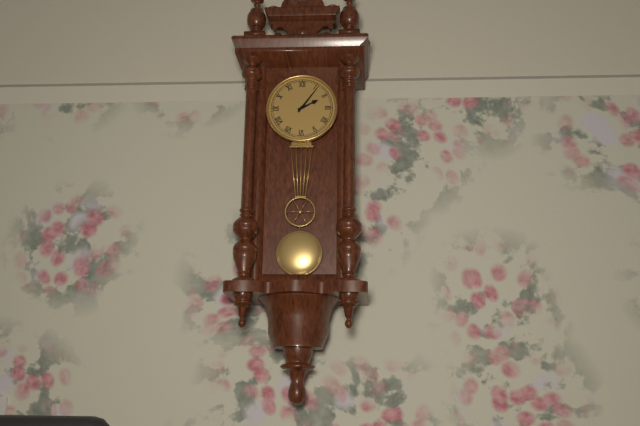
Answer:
h=2 m=6
